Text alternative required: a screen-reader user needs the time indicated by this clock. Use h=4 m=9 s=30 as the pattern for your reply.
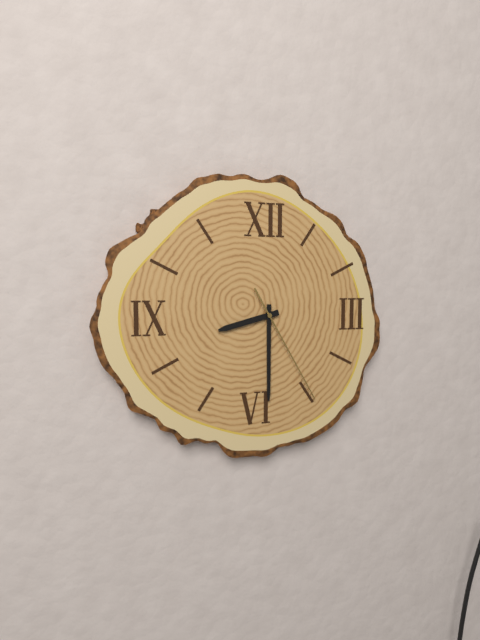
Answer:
h=8 m=30 s=25
